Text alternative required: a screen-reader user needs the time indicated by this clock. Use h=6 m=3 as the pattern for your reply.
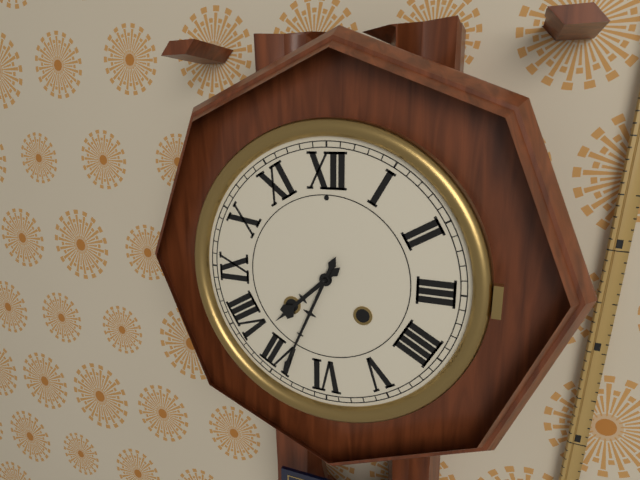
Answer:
h=7 m=34
